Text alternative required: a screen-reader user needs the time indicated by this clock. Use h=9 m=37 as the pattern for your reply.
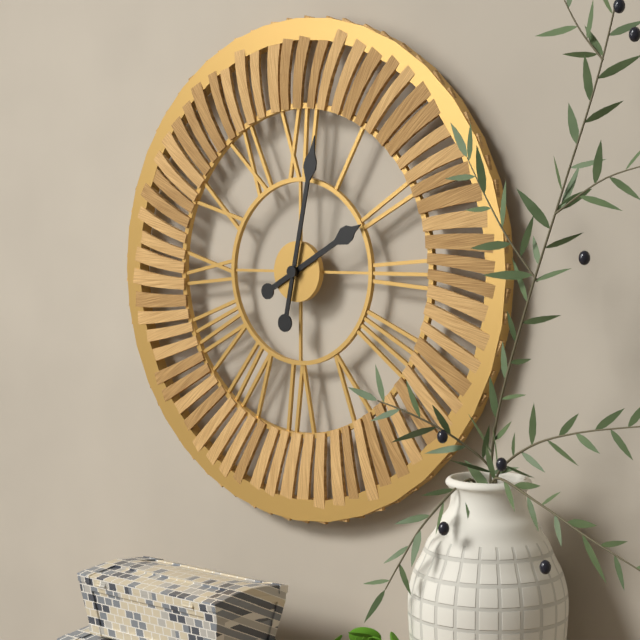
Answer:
h=2 m=2
